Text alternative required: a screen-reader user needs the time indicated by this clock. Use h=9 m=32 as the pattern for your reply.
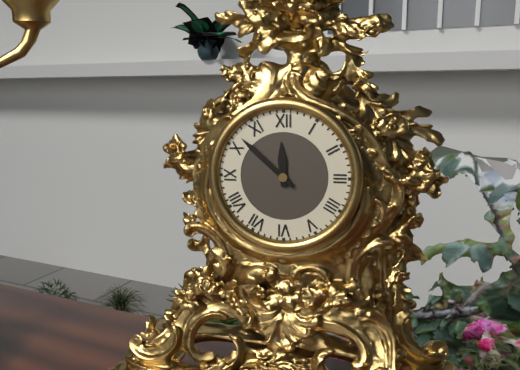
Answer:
h=11 m=52
